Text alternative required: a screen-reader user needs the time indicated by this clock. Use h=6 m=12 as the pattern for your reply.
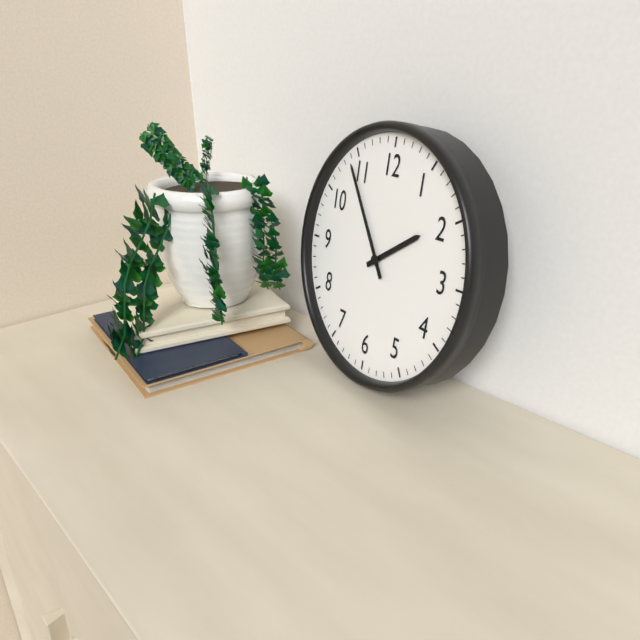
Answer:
h=1 m=54
